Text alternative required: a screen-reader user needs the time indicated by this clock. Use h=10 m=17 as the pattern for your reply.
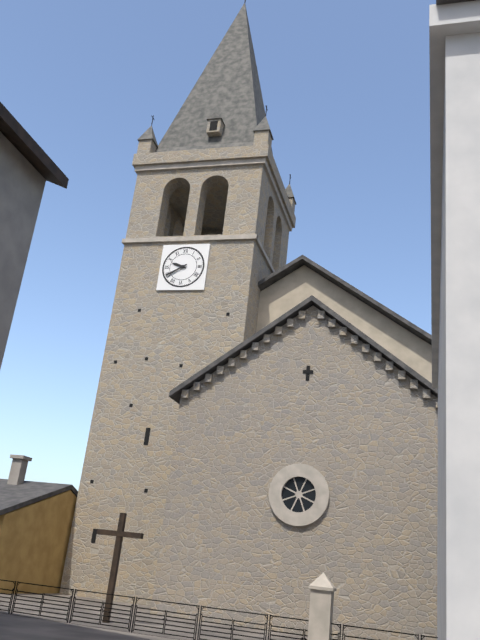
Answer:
h=9 m=40
